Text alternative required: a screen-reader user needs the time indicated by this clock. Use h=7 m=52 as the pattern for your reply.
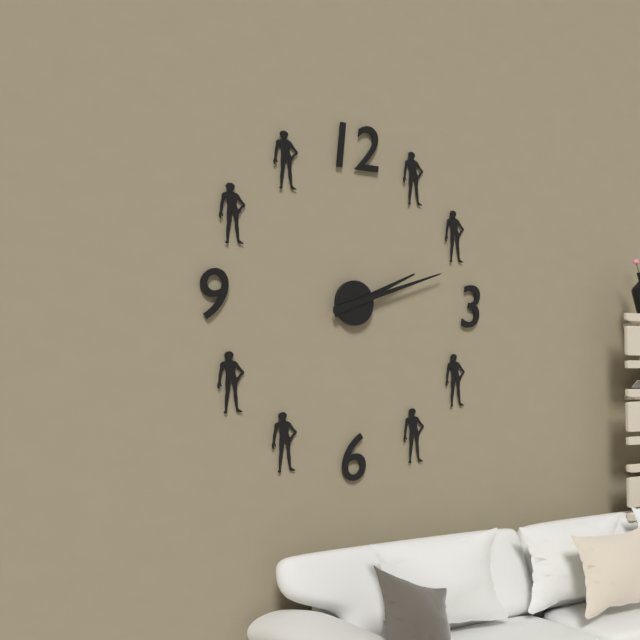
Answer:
h=2 m=12
